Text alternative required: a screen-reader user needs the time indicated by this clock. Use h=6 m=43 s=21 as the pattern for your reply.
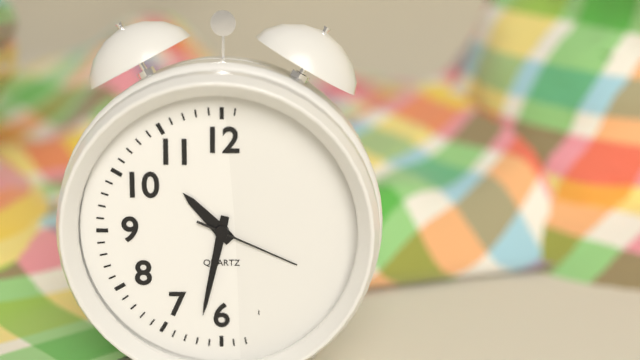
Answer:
h=10 m=32 s=19
